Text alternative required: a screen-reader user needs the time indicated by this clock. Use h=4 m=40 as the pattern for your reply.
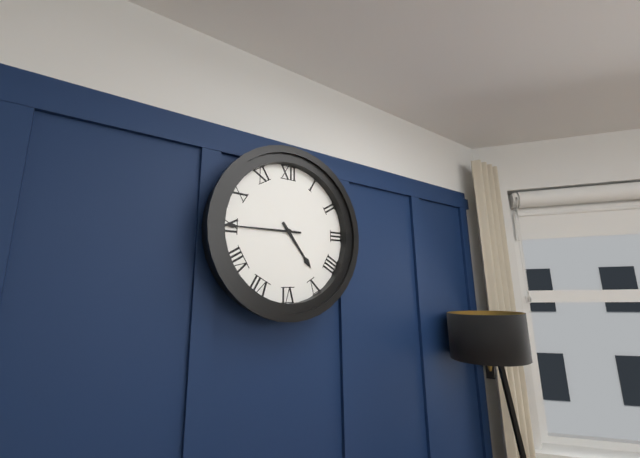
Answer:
h=4 m=45
